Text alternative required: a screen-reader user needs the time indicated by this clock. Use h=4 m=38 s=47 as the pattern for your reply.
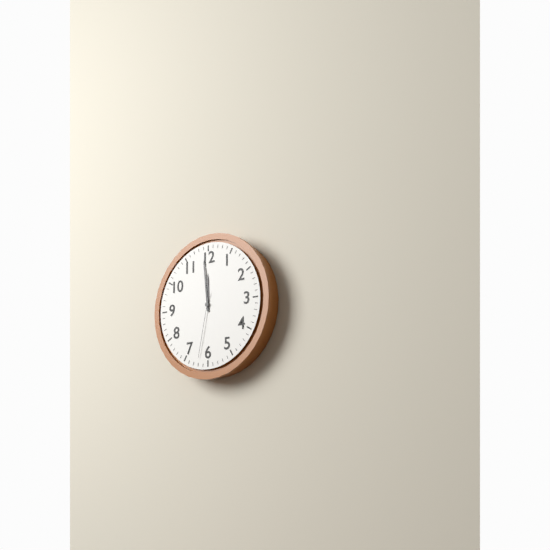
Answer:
h=11 m=59 s=32
